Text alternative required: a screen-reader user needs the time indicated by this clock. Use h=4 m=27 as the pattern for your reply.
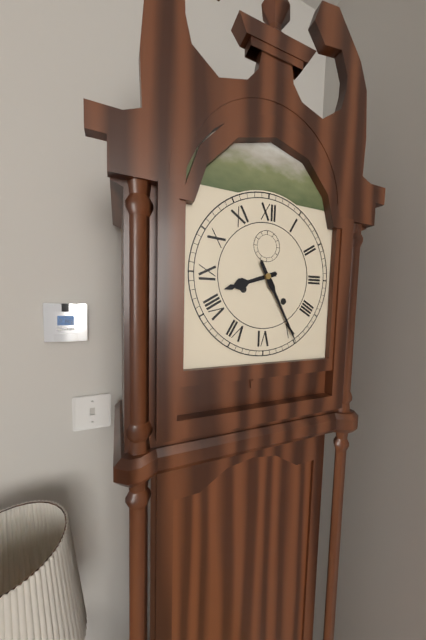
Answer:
h=8 m=25
